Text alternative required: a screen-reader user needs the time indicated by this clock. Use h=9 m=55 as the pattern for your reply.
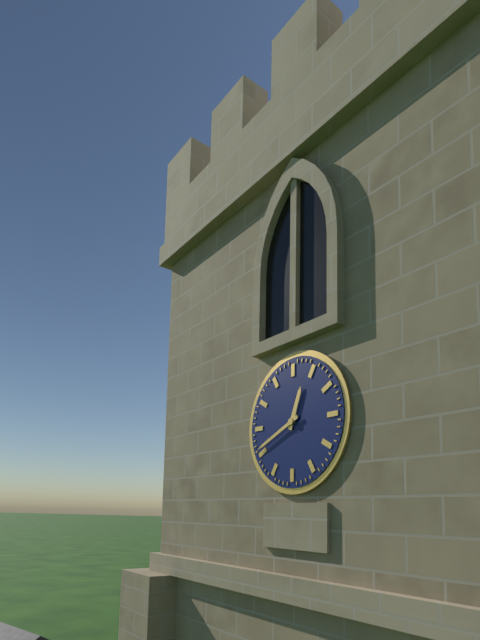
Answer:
h=12 m=41
